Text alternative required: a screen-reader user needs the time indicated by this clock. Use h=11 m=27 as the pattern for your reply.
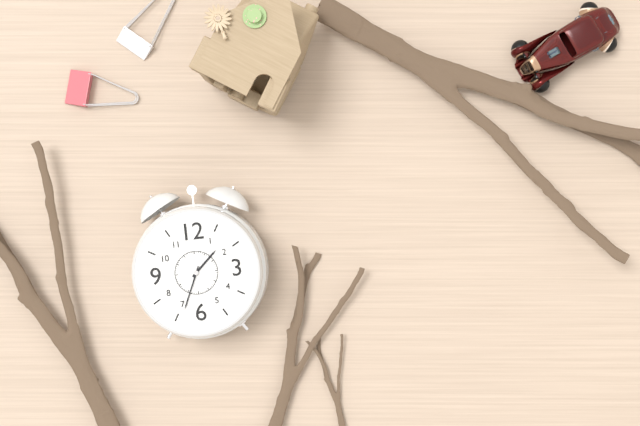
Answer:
h=1 m=34
